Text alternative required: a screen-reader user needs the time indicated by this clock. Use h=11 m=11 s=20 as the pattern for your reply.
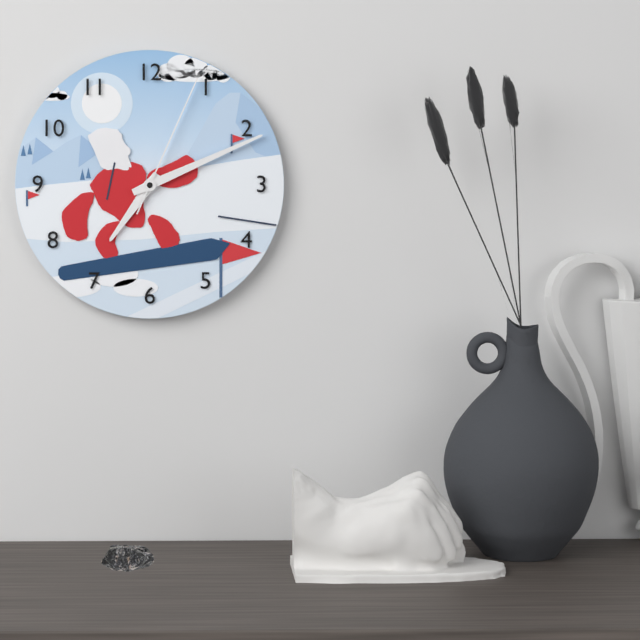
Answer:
h=7 m=11 s=4
